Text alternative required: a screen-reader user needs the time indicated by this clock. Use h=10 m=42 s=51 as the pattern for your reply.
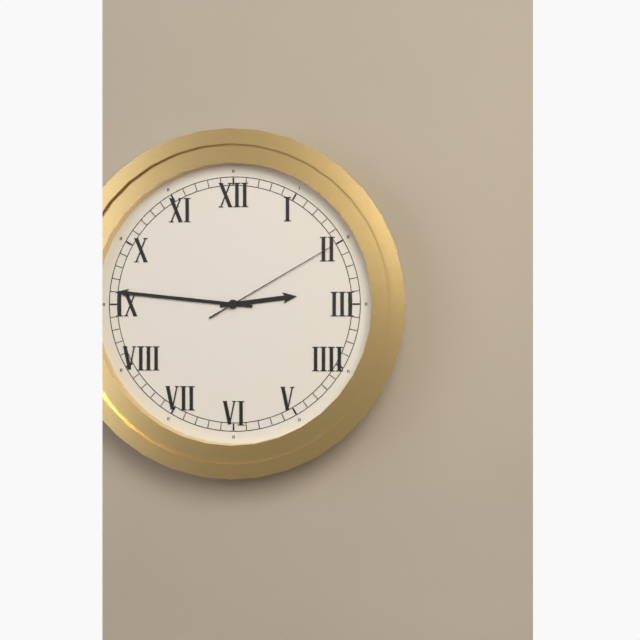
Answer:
h=2 m=46 s=10
